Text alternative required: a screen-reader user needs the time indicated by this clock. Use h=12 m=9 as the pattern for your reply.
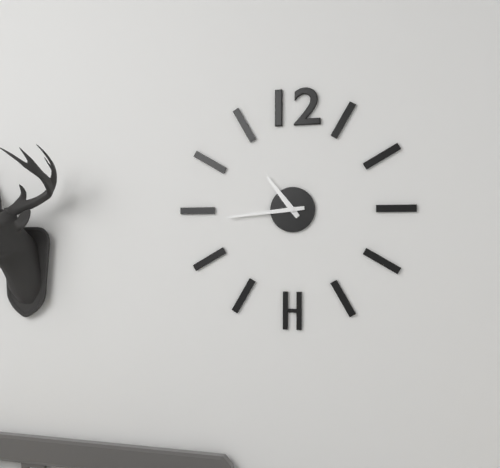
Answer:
h=10 m=44
